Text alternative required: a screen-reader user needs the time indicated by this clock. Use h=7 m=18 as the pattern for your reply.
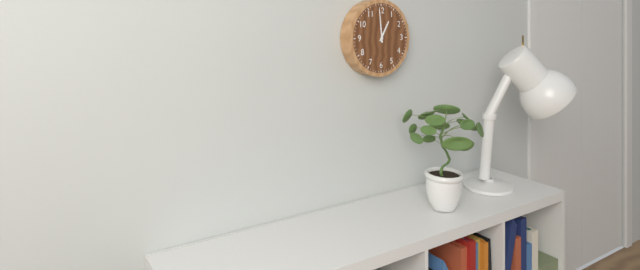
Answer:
h=12 m=59
